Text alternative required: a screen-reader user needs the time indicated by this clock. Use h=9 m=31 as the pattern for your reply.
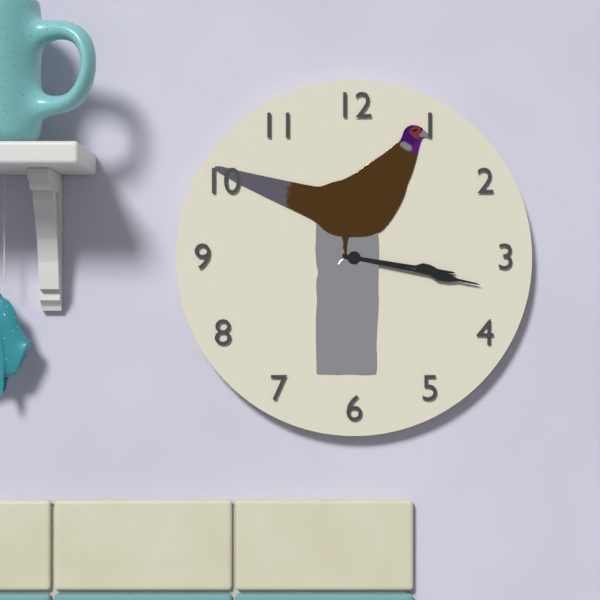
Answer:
h=3 m=17
